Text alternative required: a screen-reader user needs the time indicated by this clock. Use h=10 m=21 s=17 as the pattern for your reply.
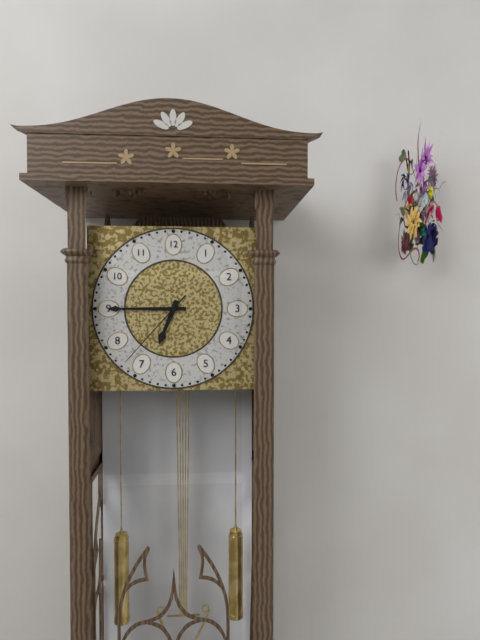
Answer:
h=6 m=45 s=37
